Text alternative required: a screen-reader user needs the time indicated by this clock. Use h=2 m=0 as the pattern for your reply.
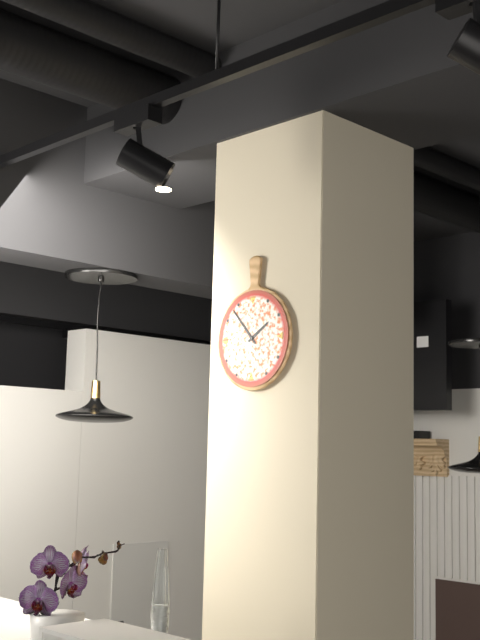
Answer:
h=1 m=53
